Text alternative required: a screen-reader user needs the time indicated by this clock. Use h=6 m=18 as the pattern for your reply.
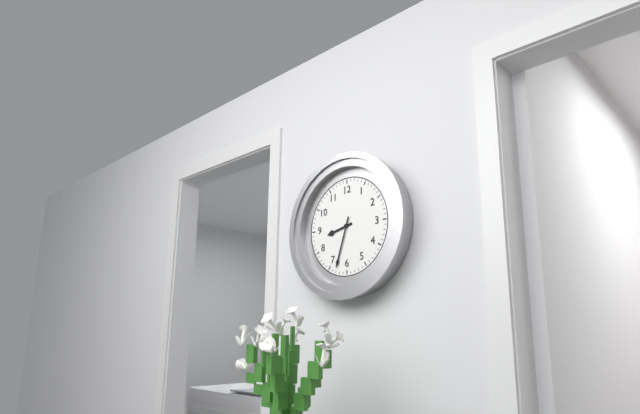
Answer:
h=8 m=33
